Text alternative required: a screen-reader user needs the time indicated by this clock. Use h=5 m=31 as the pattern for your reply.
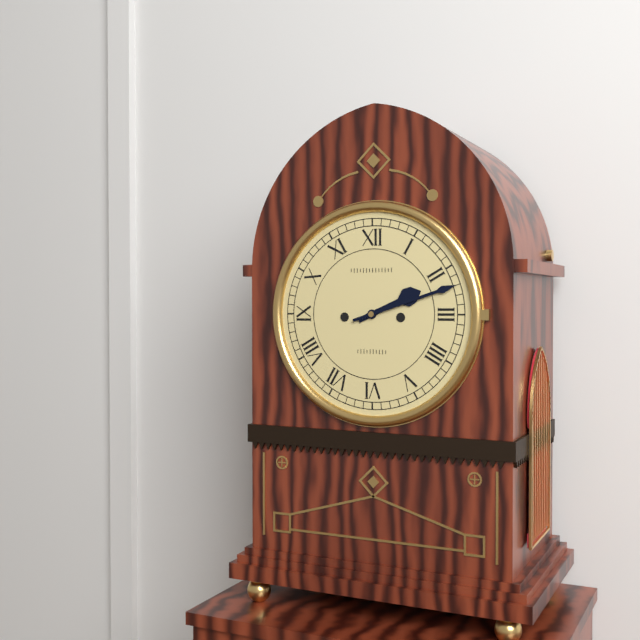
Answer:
h=2 m=12
